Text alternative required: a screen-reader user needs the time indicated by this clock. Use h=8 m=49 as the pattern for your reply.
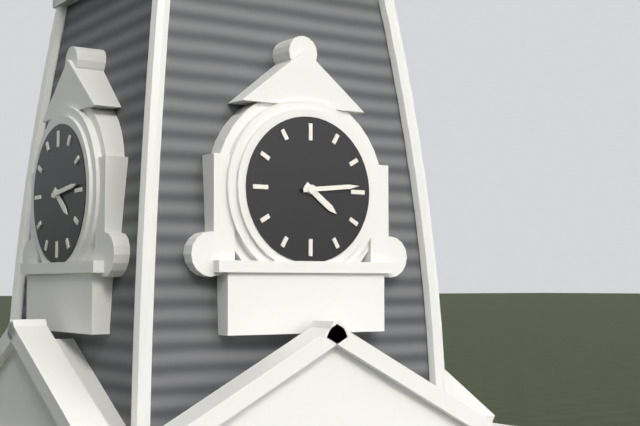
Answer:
h=4 m=14
